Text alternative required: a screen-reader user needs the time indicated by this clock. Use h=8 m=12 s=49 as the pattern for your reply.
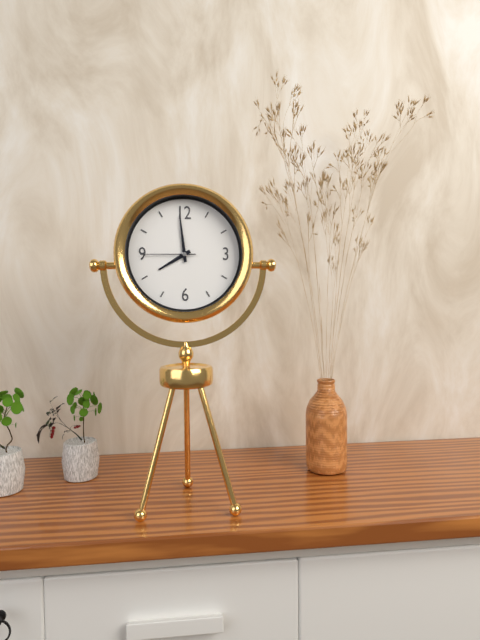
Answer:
h=7 m=59 s=45
